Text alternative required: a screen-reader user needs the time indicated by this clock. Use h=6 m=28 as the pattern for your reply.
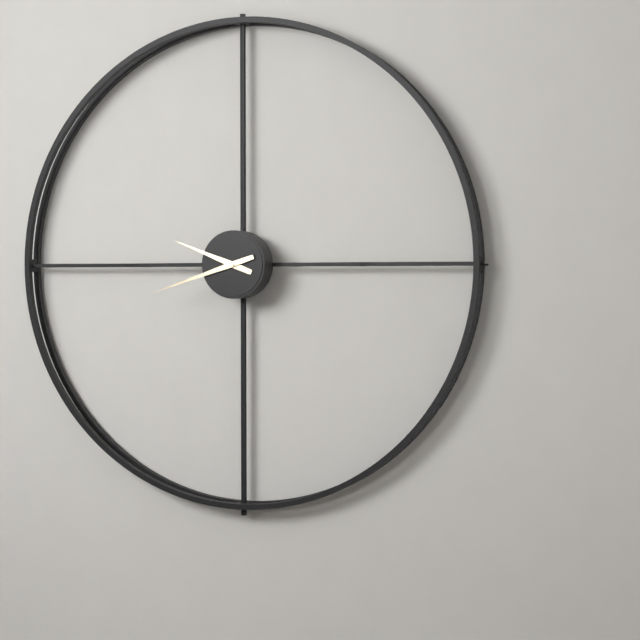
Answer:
h=9 m=42
